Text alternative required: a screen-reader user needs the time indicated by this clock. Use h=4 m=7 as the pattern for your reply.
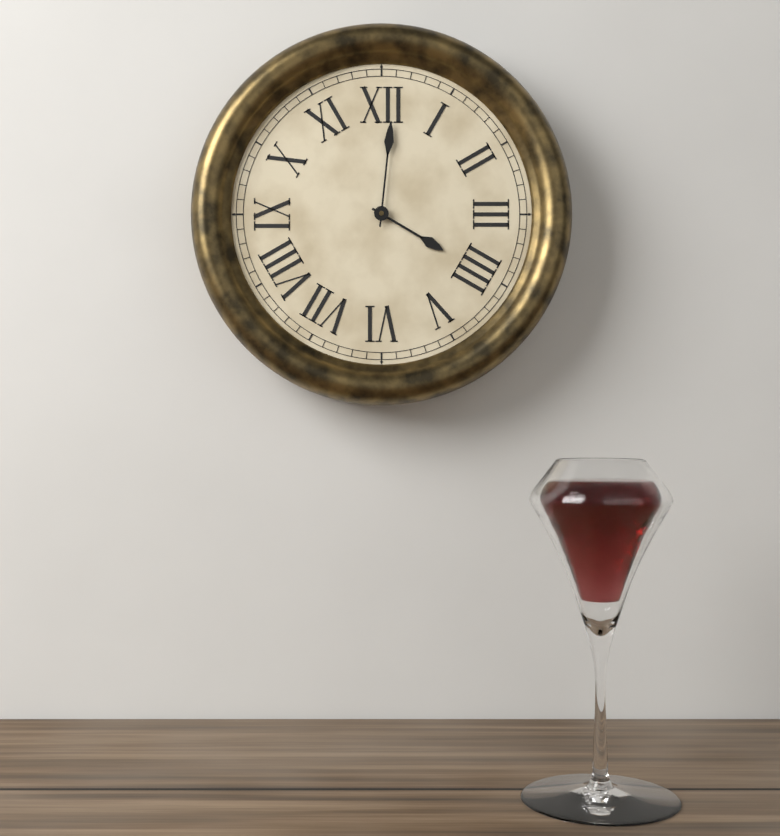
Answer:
h=4 m=1
